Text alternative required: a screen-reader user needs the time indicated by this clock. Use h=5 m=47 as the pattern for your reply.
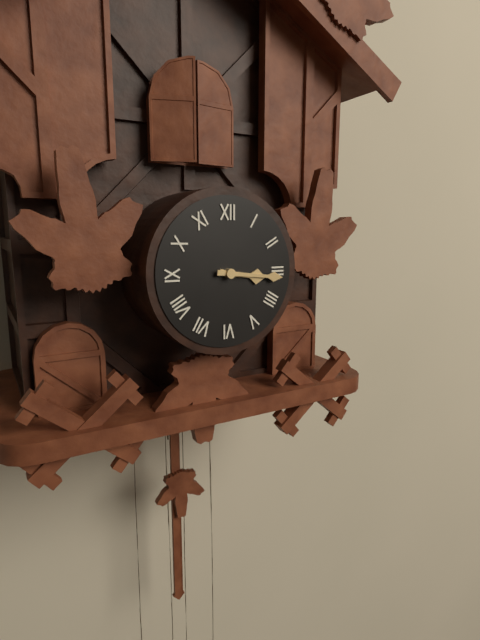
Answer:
h=3 m=16
